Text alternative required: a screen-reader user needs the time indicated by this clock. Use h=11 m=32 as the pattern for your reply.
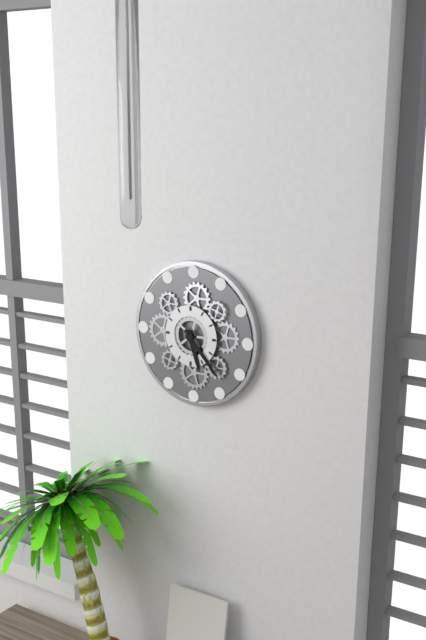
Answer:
h=5 m=23
